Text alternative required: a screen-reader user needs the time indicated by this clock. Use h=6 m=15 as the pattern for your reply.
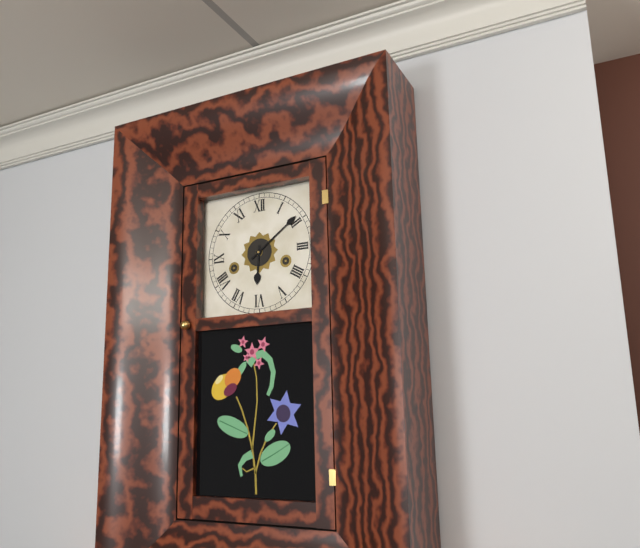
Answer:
h=6 m=9
